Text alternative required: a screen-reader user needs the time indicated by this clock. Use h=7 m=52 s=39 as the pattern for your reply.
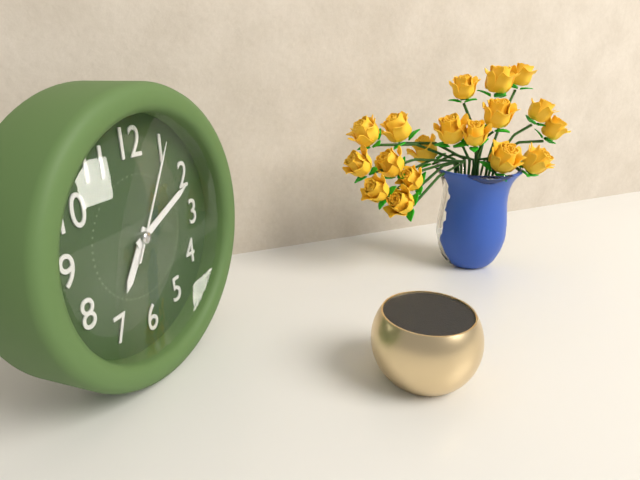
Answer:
h=7 m=11 s=5
